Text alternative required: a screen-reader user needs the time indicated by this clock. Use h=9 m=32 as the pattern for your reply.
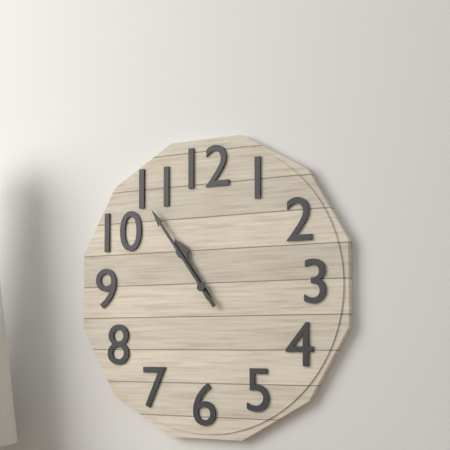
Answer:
h=10 m=54
